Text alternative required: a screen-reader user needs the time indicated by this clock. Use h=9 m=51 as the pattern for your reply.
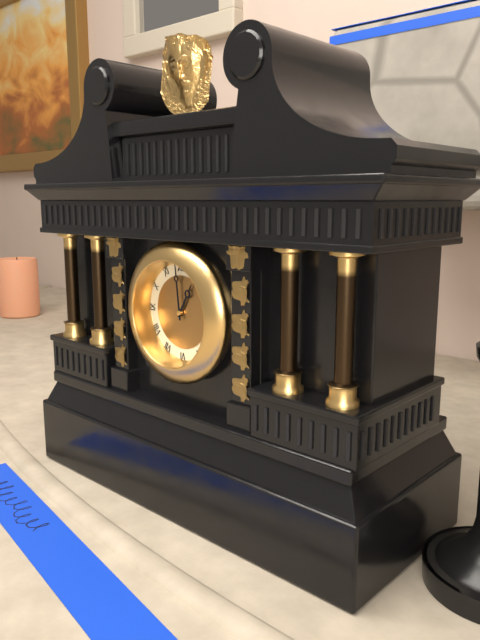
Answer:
h=12 m=59
